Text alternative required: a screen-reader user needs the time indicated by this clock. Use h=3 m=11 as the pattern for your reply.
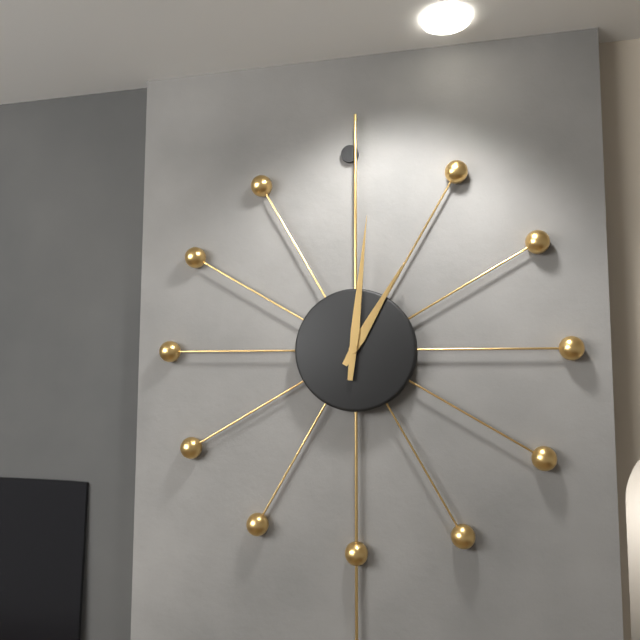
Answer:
h=1 m=1
